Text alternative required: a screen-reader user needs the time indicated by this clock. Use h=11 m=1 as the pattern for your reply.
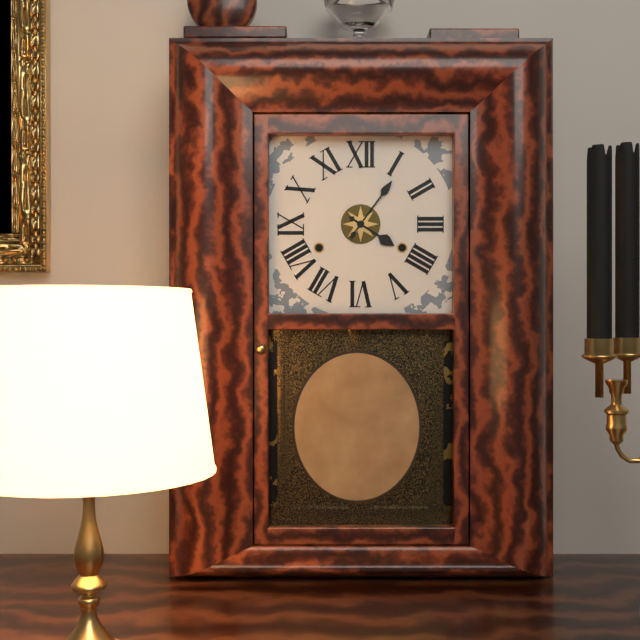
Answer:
h=4 m=6
